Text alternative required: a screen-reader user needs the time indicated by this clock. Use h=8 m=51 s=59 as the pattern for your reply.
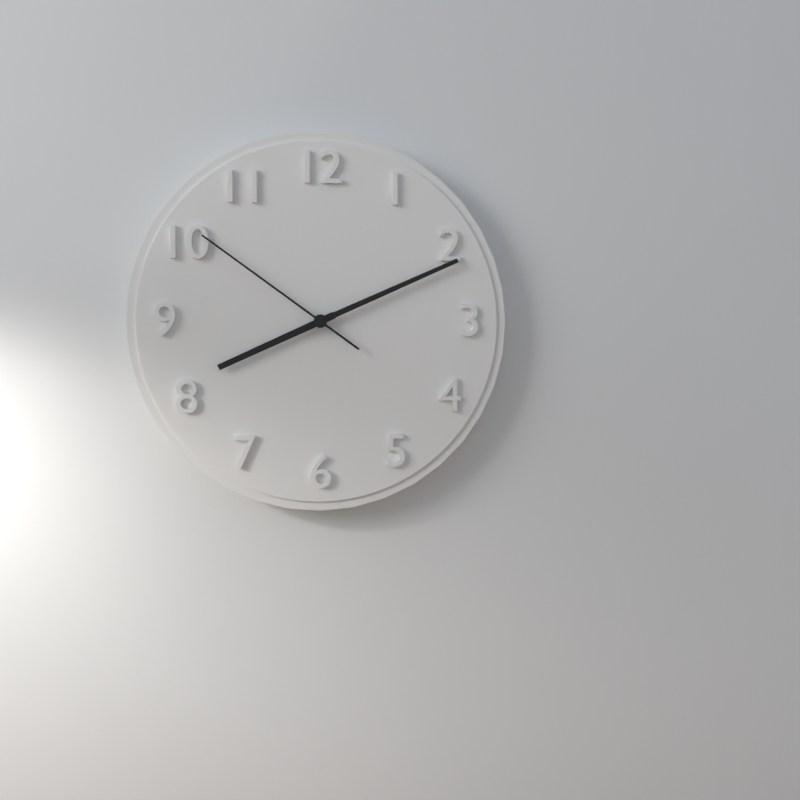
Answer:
h=8 m=11 s=51
